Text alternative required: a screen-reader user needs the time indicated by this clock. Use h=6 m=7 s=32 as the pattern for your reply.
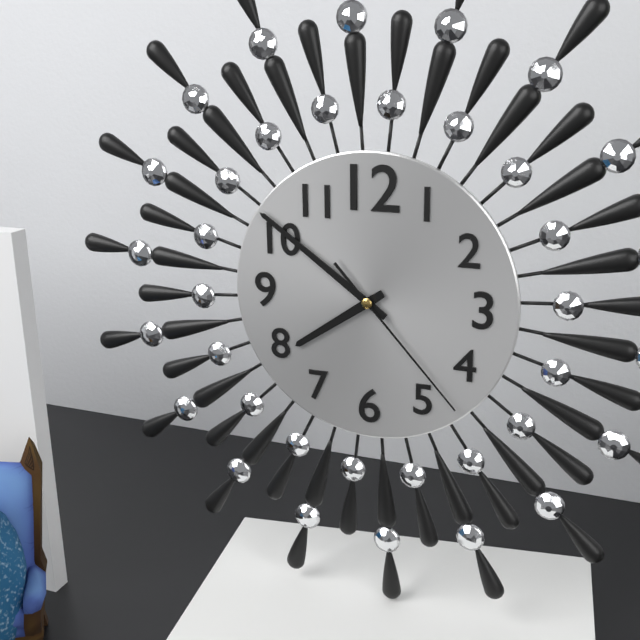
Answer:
h=7 m=51 s=23
